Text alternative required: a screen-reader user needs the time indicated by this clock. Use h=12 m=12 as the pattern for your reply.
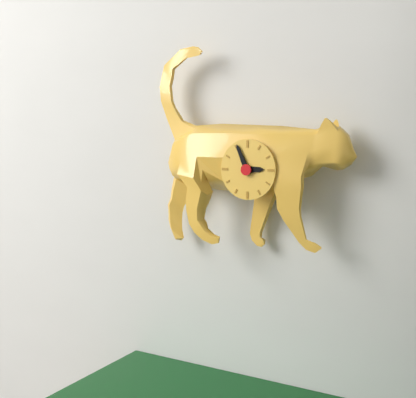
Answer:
h=2 m=56
